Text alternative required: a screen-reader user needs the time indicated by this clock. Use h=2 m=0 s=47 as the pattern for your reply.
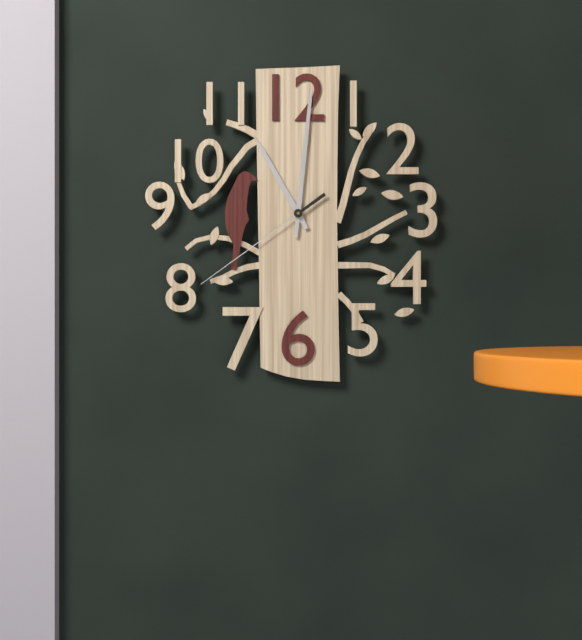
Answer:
h=11 m=1 s=39
